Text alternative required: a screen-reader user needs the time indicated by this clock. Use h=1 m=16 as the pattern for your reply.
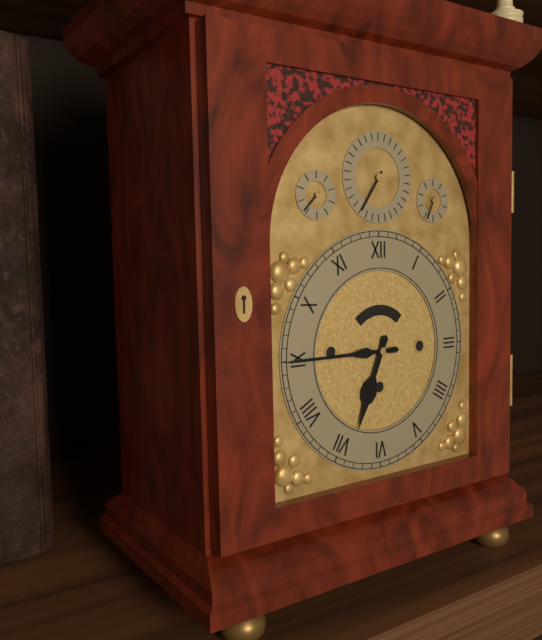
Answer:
h=6 m=45
